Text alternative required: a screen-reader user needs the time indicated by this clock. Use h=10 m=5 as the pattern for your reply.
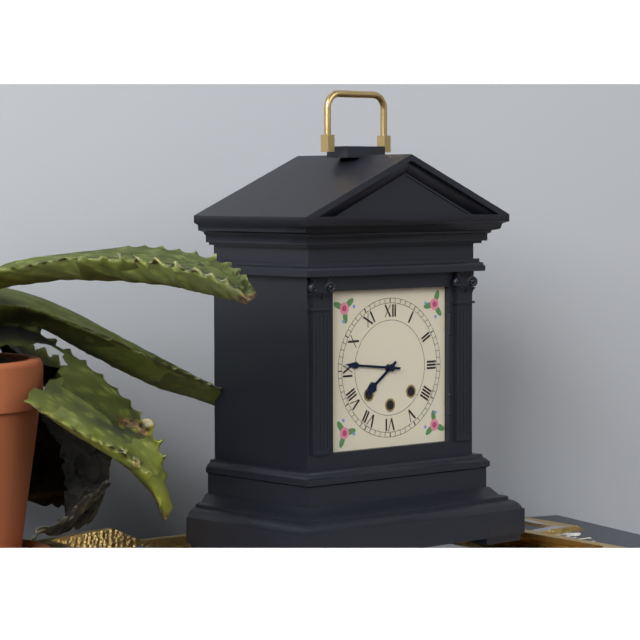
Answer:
h=7 m=46
